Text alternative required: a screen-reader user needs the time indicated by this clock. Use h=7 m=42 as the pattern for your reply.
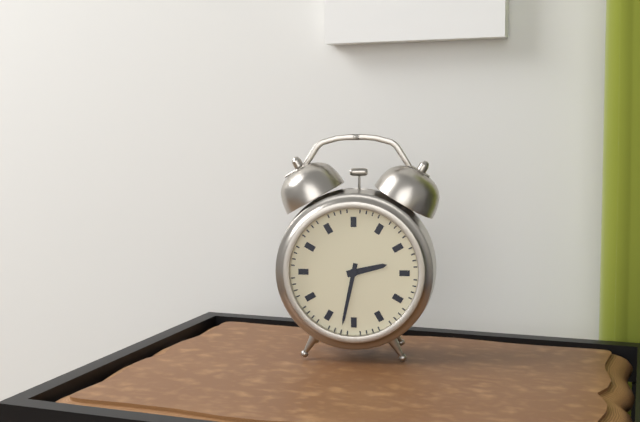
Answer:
h=2 m=32
